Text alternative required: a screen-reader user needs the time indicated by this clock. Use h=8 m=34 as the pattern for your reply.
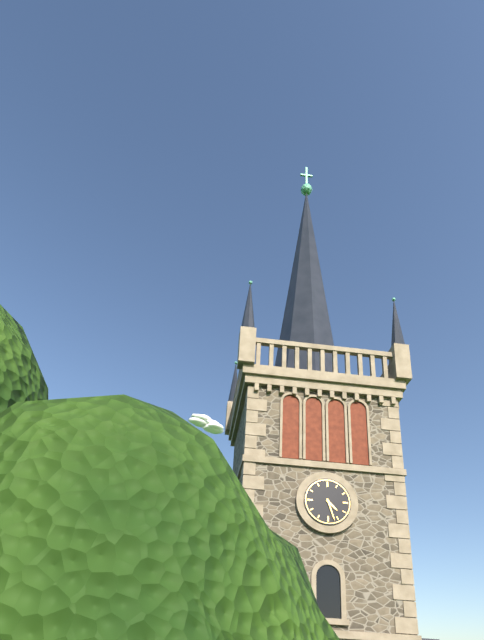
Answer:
h=4 m=27
